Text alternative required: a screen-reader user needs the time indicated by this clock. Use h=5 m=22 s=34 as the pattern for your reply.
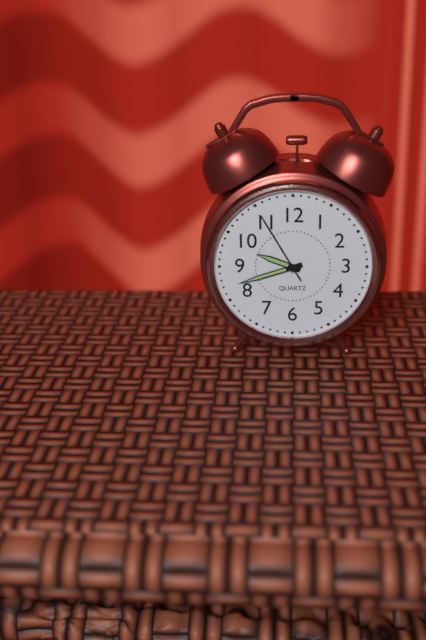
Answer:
h=9 m=42 s=55
